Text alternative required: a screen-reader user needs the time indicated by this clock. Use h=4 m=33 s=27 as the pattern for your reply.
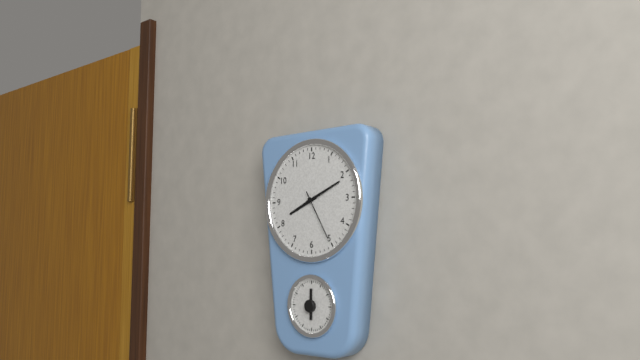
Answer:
h=8 m=11 s=25
